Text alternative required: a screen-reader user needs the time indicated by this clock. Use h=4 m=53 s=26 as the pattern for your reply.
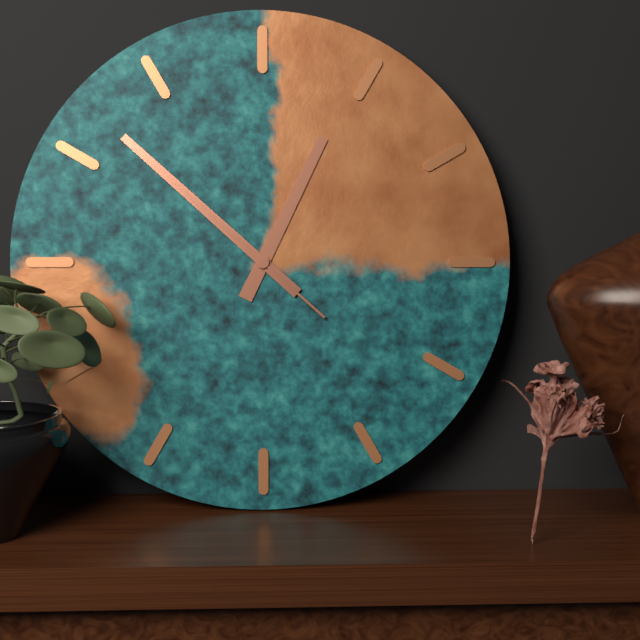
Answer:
h=12 m=52 s=52
